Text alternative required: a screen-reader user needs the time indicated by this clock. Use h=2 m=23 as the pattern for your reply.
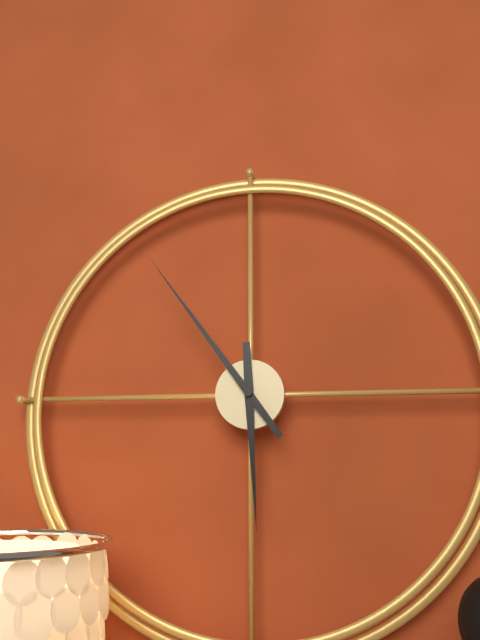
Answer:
h=5 m=54
